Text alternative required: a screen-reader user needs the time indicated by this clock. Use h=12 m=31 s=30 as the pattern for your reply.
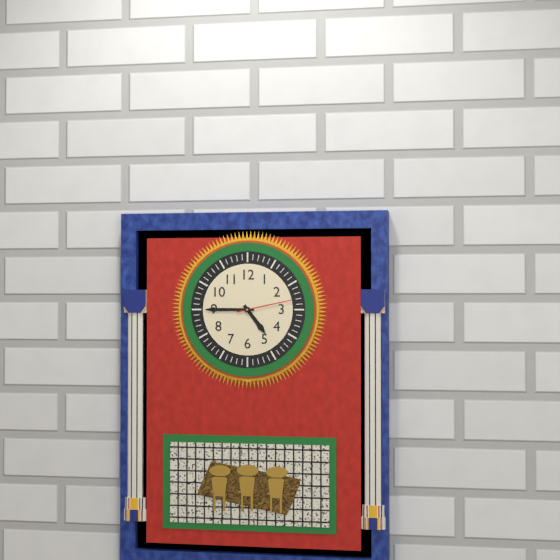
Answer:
h=4 m=45 s=13
